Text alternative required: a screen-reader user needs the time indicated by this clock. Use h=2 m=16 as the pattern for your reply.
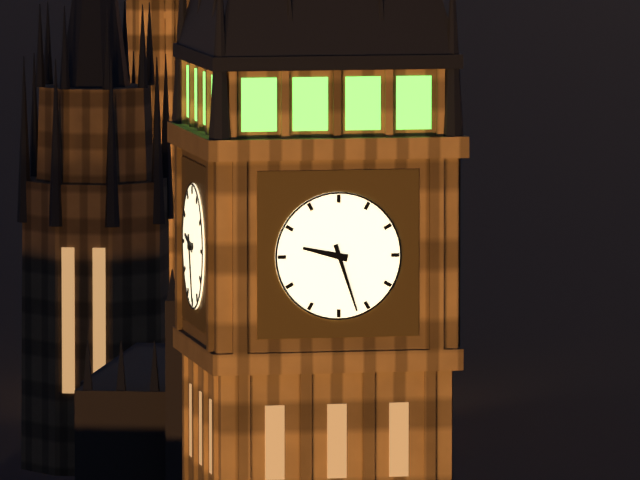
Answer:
h=9 m=27
